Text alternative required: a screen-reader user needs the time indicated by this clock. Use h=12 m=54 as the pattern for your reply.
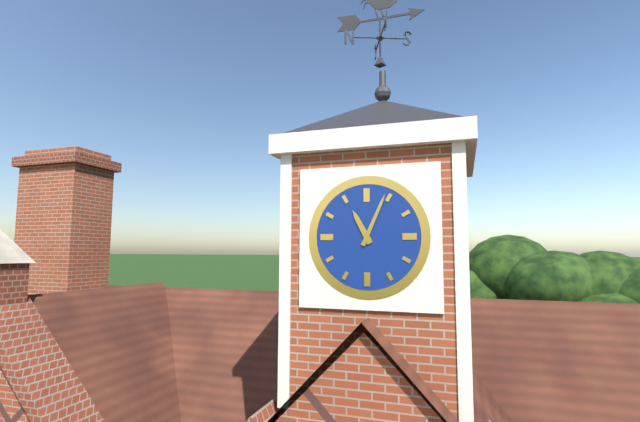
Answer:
h=11 m=4
